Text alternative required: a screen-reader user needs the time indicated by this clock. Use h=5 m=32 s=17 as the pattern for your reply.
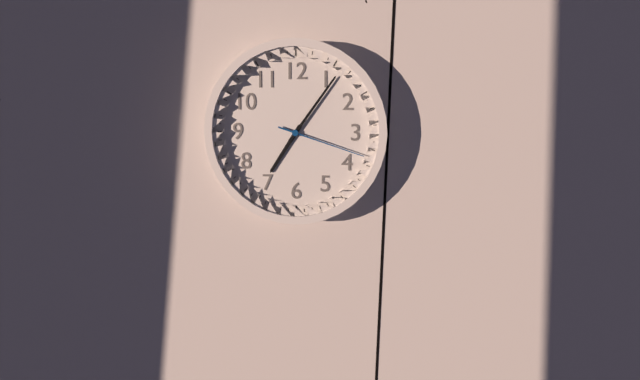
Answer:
h=7 m=6 s=18
